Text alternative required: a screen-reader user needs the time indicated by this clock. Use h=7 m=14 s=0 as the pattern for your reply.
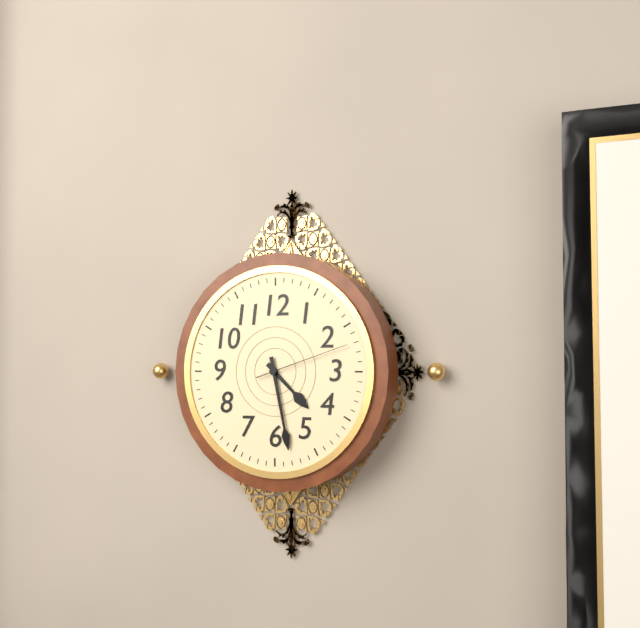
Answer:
h=4 m=28 s=12
